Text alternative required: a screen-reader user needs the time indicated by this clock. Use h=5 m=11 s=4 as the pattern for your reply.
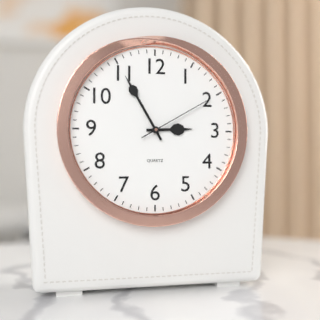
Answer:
h=2 m=55 s=10
